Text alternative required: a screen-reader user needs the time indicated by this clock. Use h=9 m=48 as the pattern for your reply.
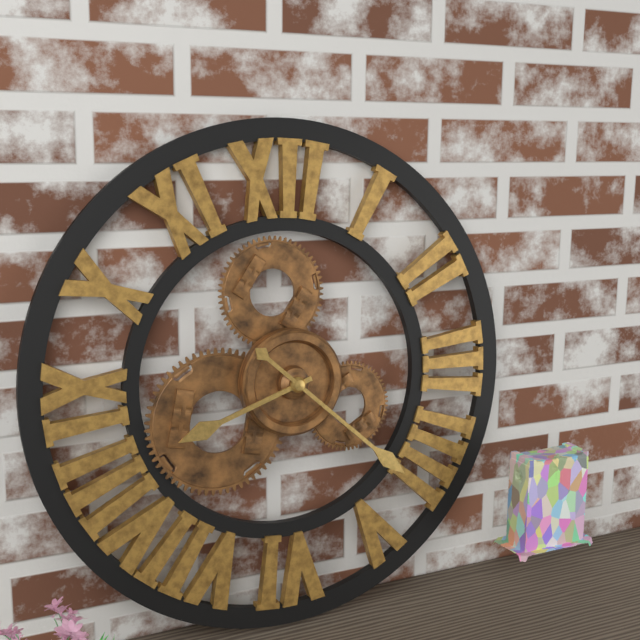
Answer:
h=8 m=22
